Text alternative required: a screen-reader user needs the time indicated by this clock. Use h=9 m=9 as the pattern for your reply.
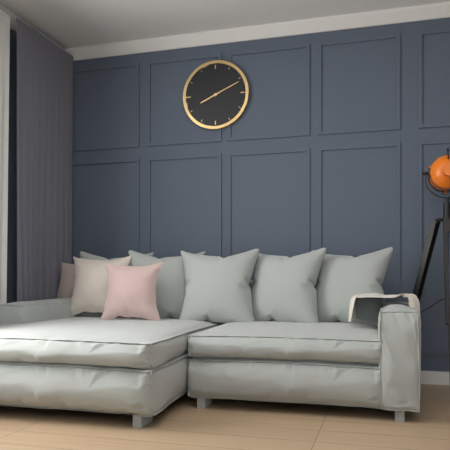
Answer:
h=8 m=11
